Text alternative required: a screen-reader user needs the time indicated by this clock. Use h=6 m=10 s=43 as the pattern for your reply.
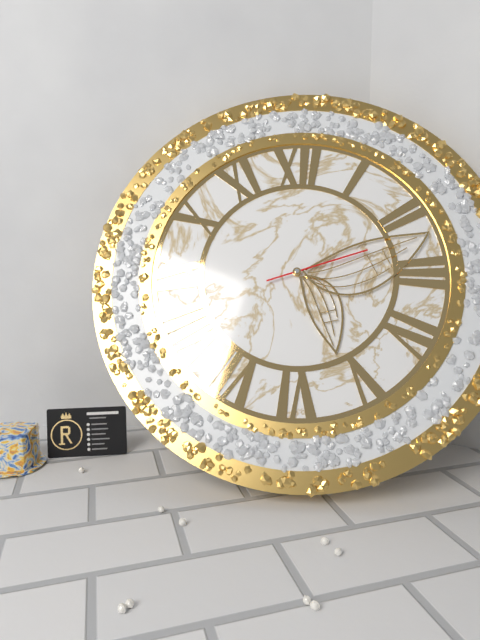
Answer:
h=5 m=12 s=12
